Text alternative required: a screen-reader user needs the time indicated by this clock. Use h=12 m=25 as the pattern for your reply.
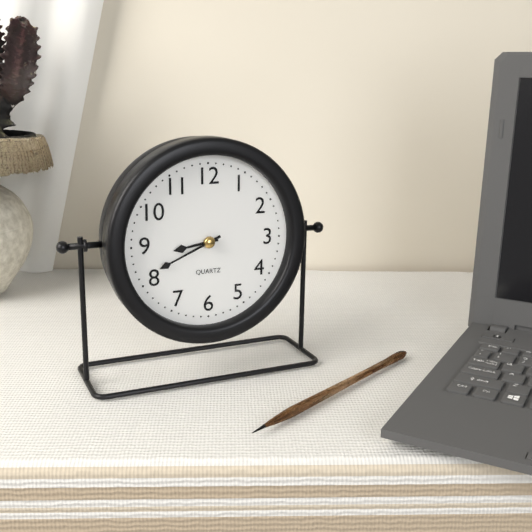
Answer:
h=8 m=41
